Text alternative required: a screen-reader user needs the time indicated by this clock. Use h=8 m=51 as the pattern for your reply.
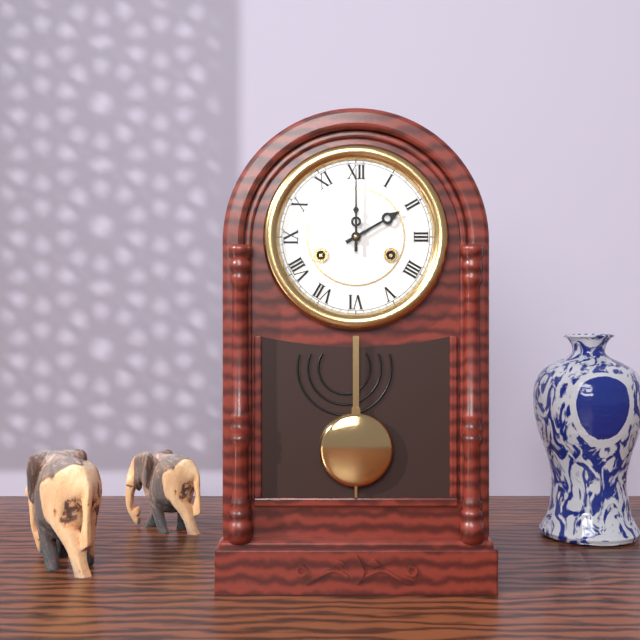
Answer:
h=2 m=0
